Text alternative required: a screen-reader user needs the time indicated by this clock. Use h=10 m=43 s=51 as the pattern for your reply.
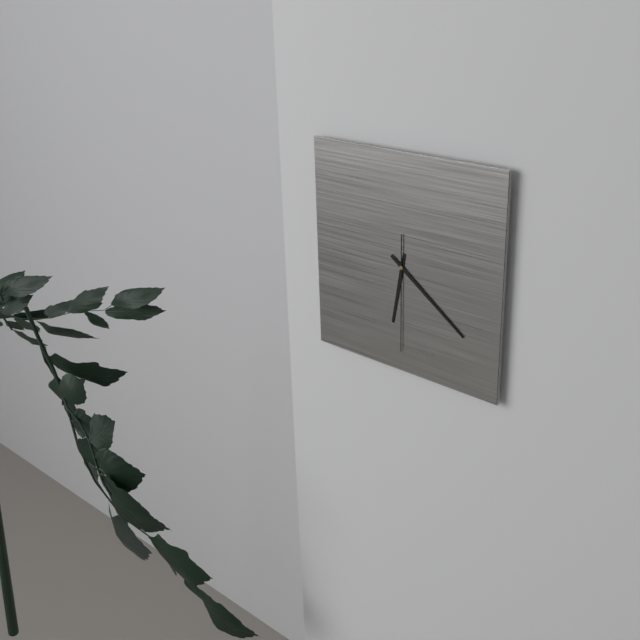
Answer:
h=6 m=21 s=30
